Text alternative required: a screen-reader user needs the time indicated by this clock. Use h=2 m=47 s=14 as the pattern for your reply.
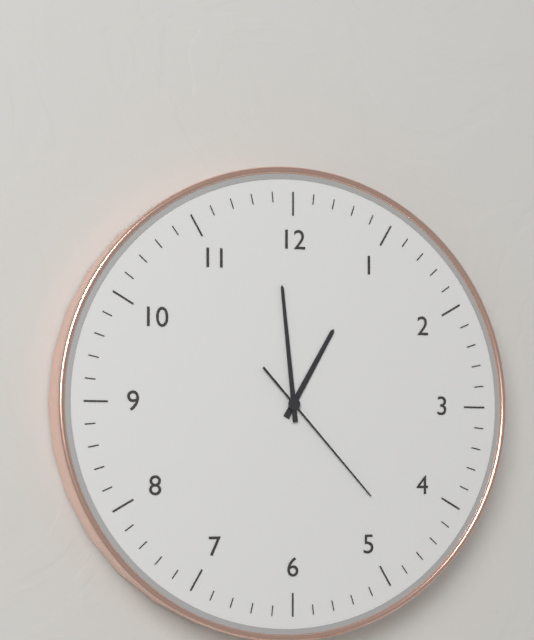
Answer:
h=12 m=59 s=23
